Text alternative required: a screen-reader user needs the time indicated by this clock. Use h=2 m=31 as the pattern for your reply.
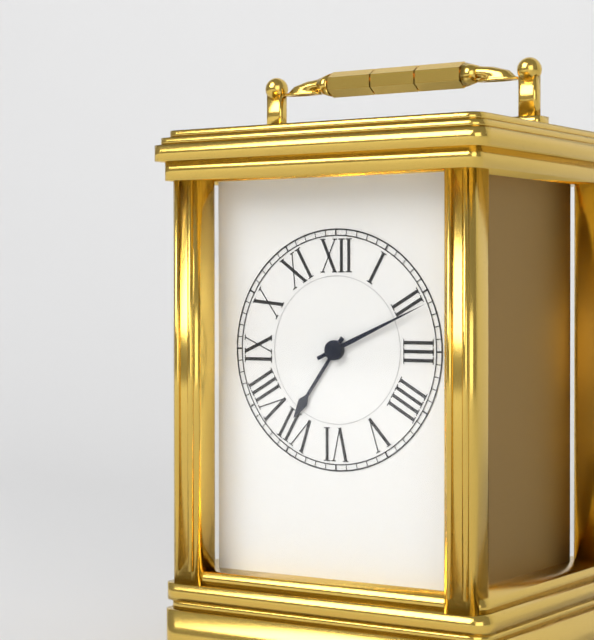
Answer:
h=7 m=11
